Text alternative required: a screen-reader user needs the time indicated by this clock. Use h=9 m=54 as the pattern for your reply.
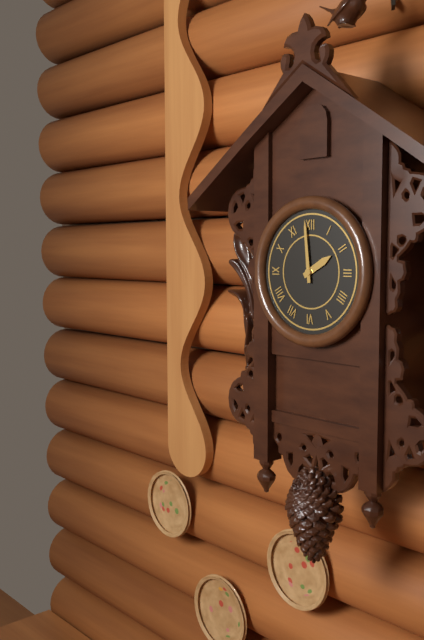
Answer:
h=1 m=59
